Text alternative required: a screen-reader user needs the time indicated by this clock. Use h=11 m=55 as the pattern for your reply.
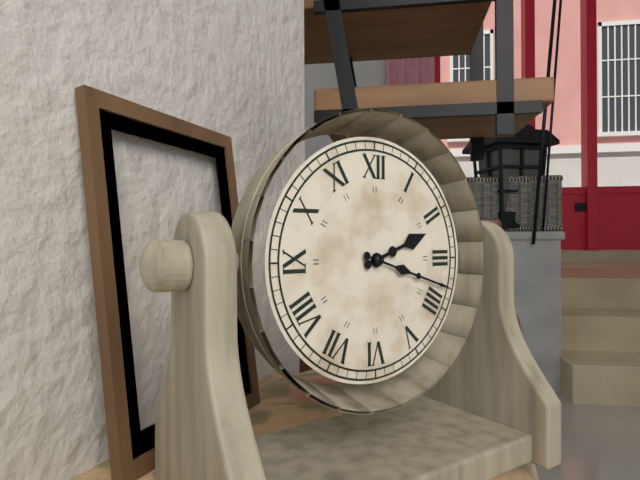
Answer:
h=2 m=18
